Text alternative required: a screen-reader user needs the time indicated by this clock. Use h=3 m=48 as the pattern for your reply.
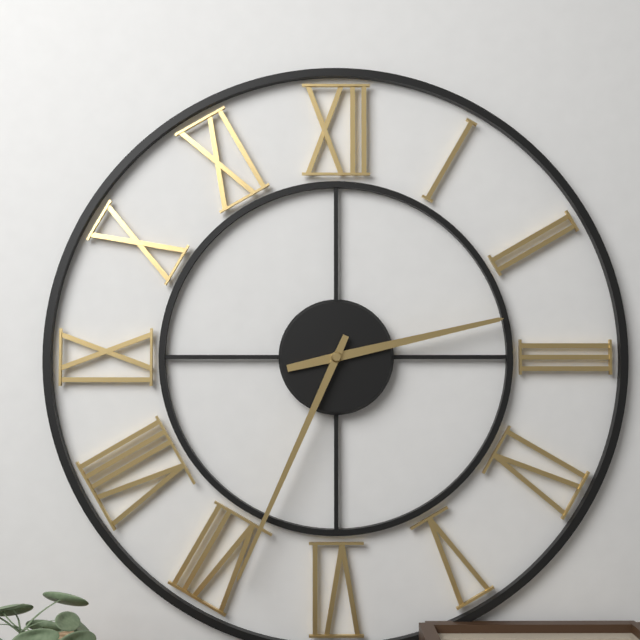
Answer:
h=2 m=34
